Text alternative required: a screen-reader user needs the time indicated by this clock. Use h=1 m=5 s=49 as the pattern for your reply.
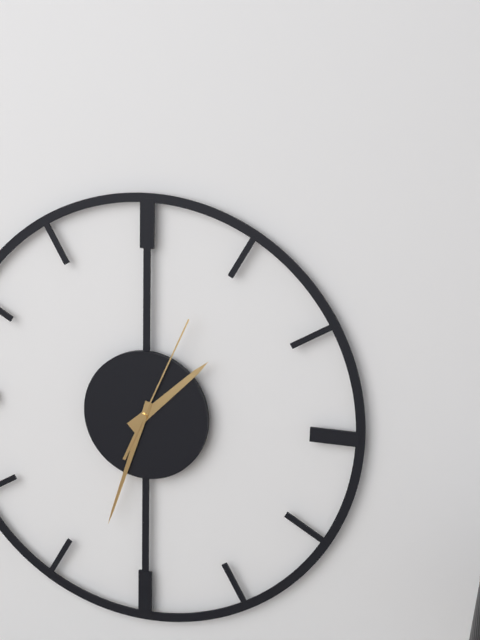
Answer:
h=1 m=33 s=4
